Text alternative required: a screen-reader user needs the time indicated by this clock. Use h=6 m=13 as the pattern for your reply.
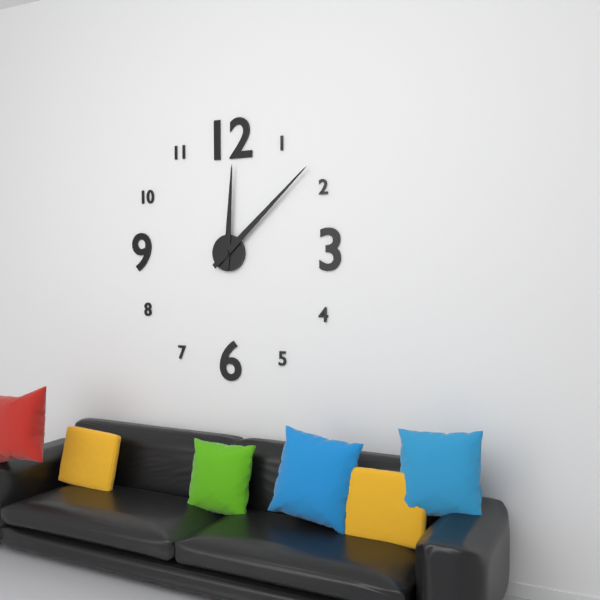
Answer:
h=12 m=8
